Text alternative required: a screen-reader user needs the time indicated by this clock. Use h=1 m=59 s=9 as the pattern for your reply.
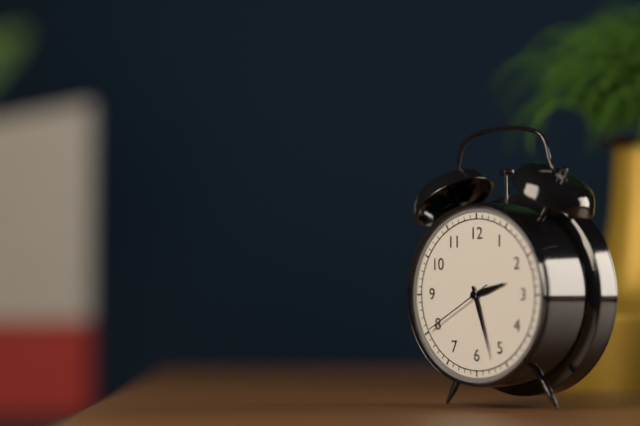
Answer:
h=2 m=27 s=40
